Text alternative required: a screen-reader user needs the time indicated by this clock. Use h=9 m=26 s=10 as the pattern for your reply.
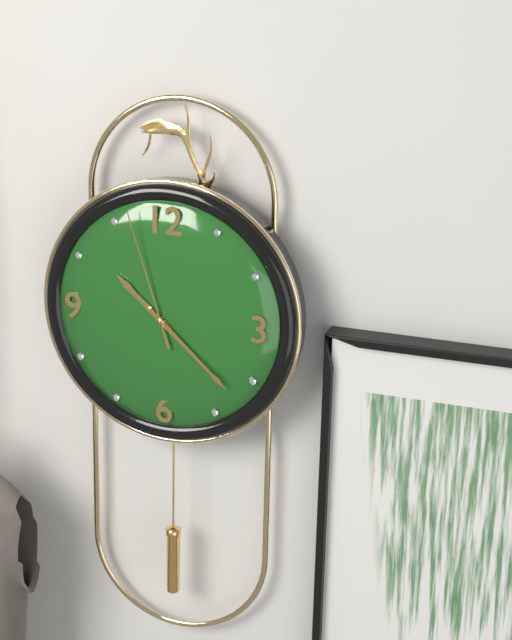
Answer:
h=10 m=22 s=57
